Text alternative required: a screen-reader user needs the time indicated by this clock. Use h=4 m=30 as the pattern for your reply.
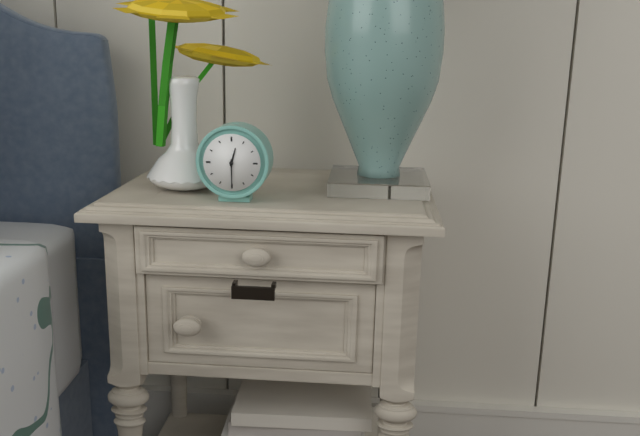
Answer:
h=12 m=30
